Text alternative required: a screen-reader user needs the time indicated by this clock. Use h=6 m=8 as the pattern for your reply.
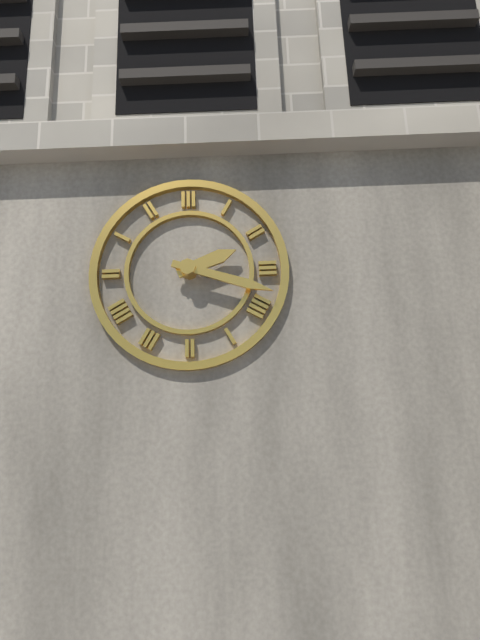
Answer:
h=2 m=18
